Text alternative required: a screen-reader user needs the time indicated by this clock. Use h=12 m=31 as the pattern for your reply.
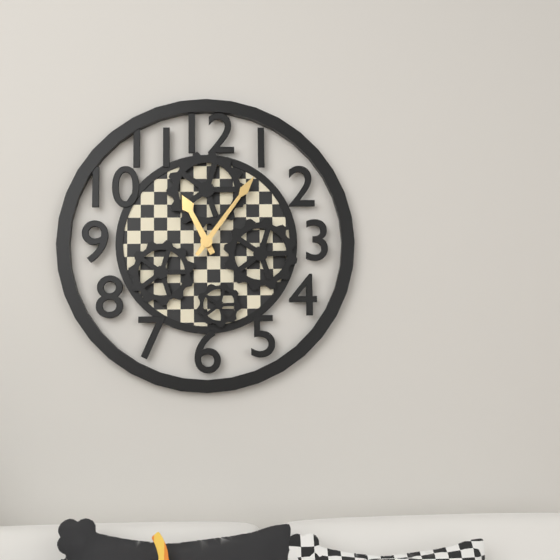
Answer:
h=11 m=6
